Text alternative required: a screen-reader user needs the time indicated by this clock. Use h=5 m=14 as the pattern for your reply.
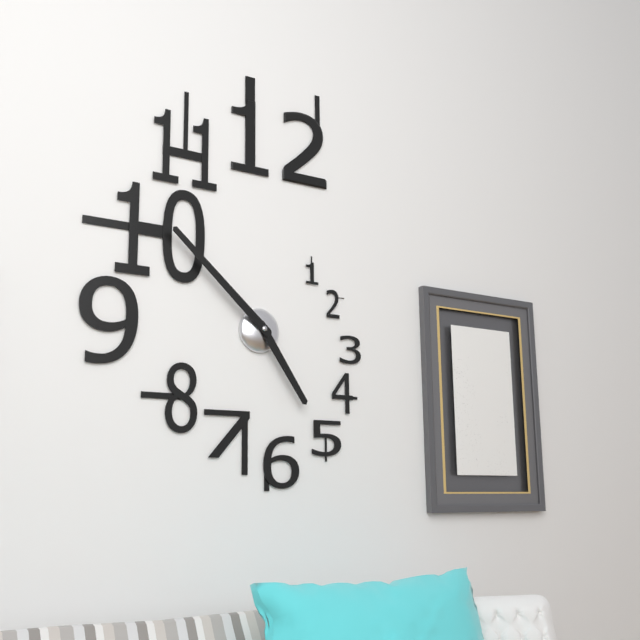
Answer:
h=4 m=52
